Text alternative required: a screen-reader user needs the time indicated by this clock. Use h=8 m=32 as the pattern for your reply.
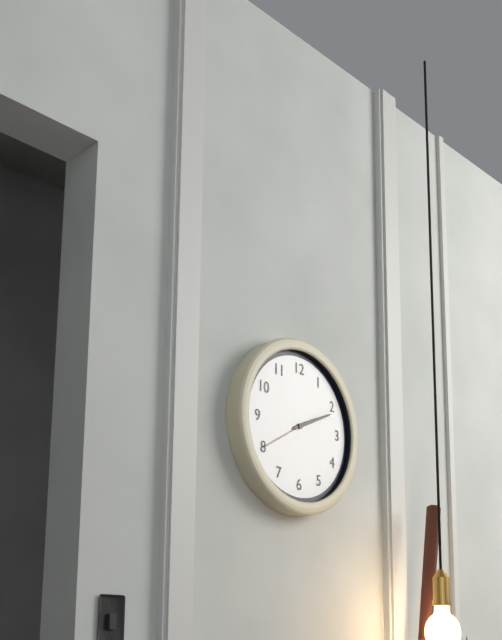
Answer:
h=2 m=11
